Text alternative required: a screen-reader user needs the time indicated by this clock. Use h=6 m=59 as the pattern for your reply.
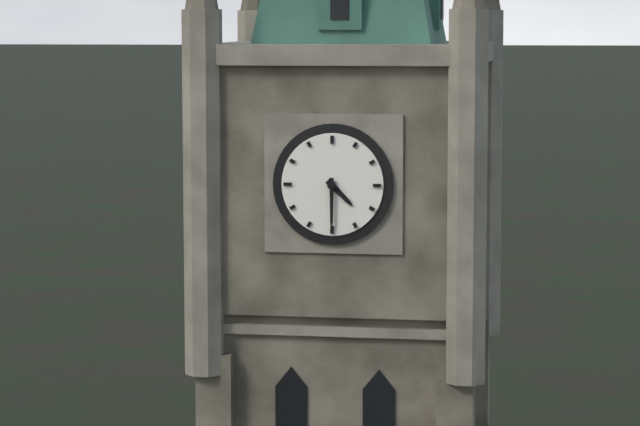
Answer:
h=4 m=30
